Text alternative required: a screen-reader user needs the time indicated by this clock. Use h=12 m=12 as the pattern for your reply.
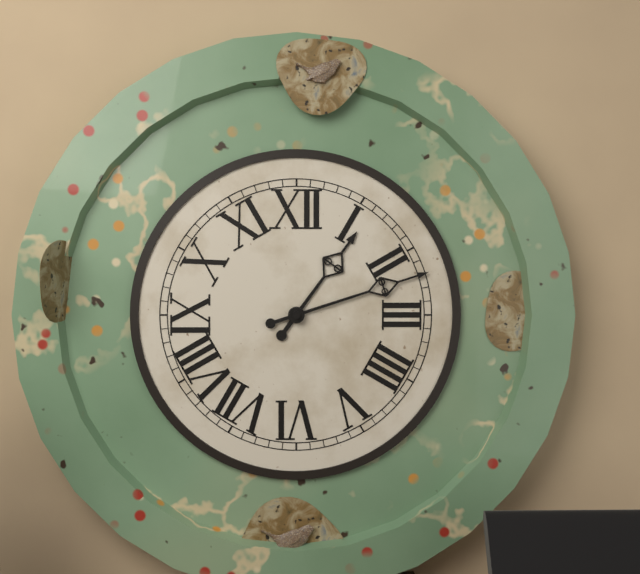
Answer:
h=1 m=12
